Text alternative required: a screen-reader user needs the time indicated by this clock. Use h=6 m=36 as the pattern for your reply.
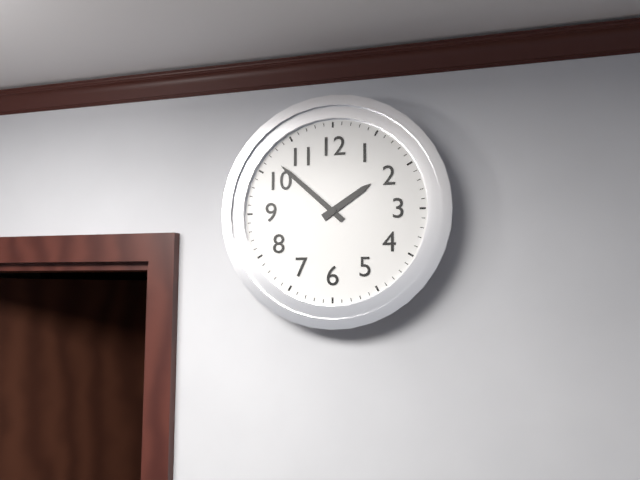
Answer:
h=1 m=52
